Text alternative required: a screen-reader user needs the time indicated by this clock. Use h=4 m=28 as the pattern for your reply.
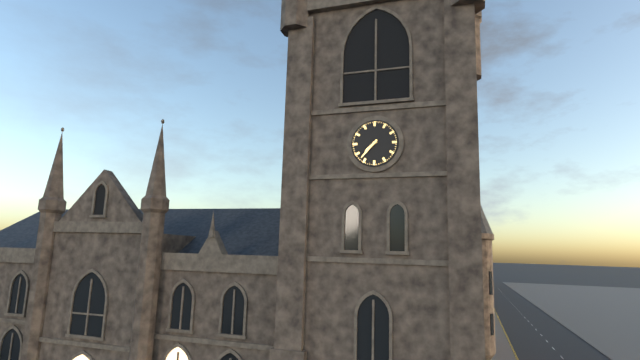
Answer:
h=7 m=37
